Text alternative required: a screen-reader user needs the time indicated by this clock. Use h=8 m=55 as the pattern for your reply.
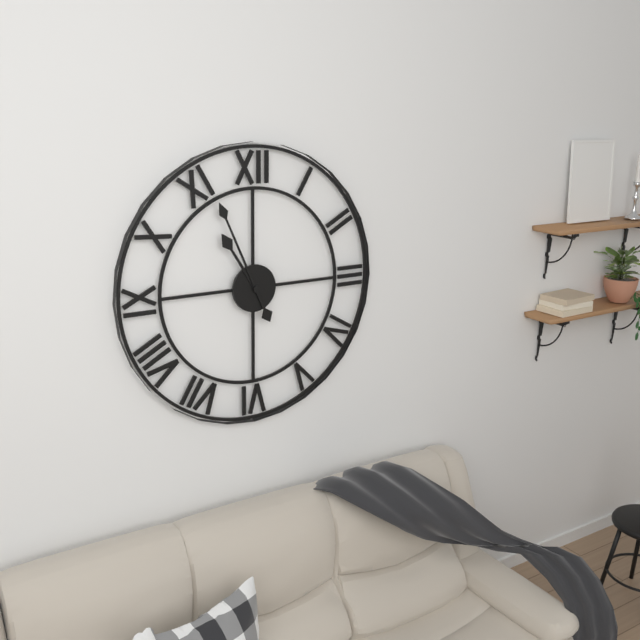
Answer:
h=10 m=56
